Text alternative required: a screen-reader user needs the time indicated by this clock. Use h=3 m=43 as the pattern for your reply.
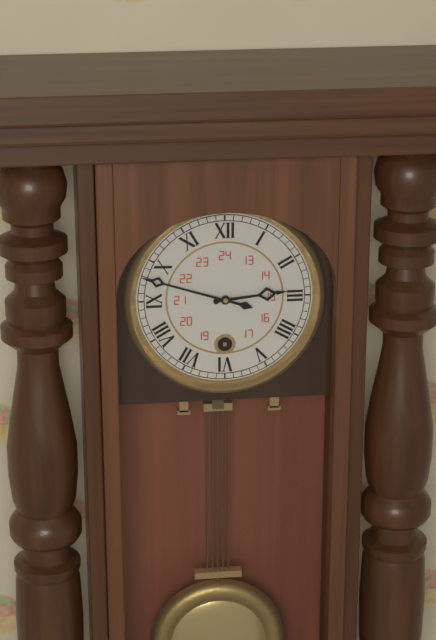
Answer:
h=2 m=48
